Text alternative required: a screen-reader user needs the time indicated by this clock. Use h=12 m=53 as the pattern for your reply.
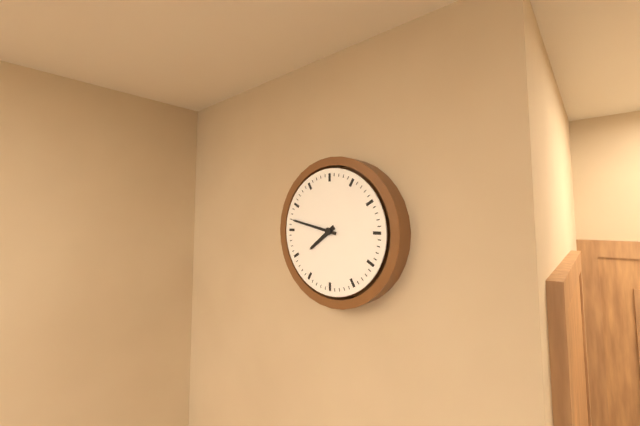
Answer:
h=7 m=47
